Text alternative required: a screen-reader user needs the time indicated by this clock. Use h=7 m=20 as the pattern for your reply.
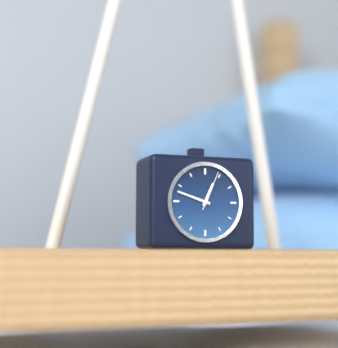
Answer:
h=12 m=48
